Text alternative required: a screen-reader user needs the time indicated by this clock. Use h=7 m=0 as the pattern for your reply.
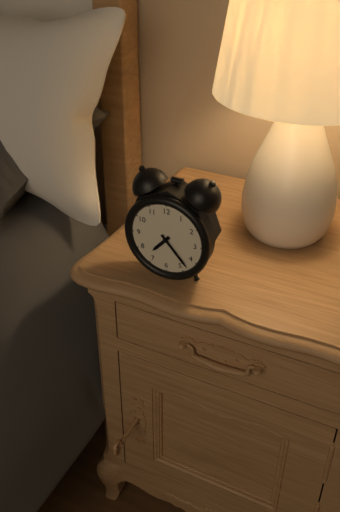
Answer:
h=7 m=23
